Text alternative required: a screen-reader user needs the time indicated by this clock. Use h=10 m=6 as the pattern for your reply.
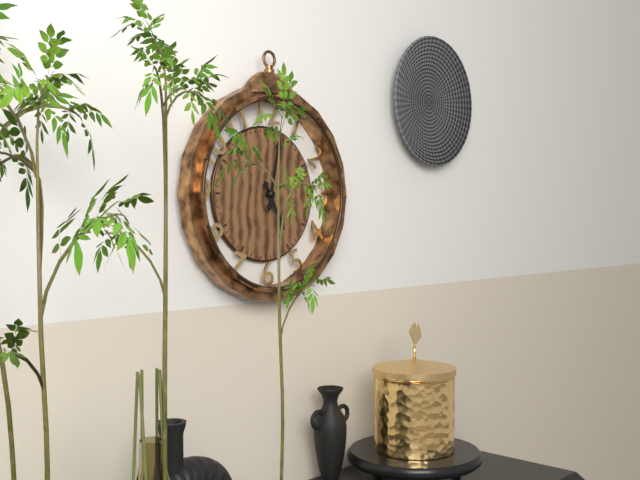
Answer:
h=5 m=2
